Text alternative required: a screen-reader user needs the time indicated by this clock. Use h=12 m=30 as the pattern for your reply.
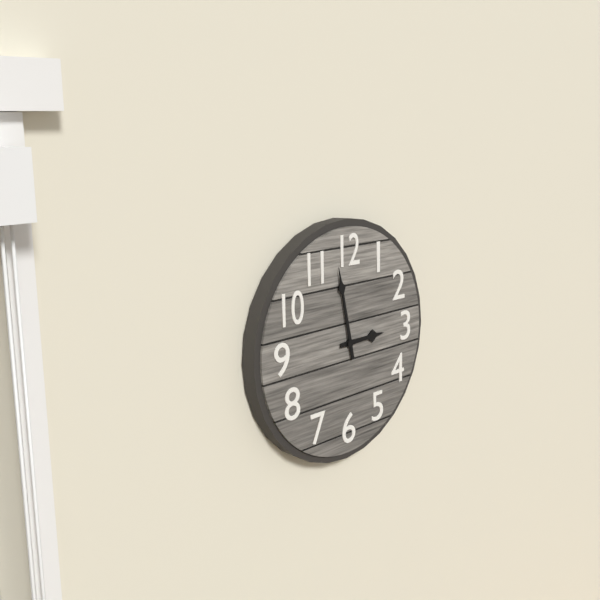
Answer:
h=2 m=58
